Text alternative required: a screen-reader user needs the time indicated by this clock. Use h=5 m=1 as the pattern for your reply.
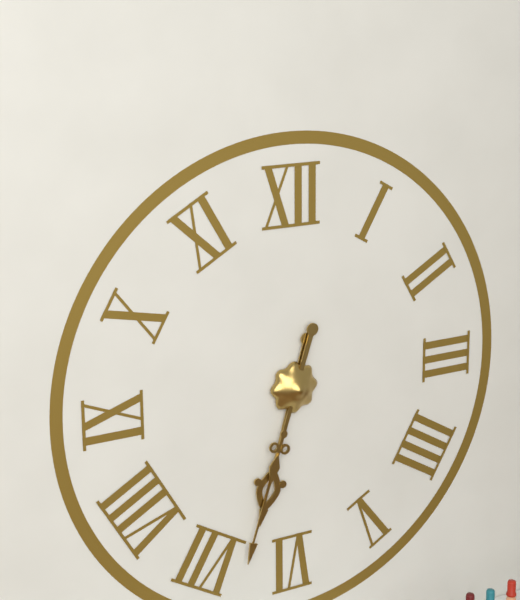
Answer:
h=6 m=33
